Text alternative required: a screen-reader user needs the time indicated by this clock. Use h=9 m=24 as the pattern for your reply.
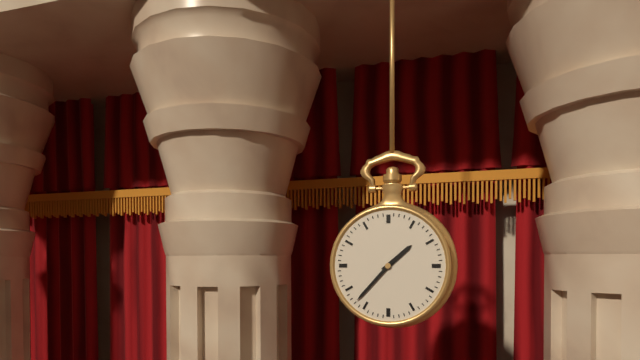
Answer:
h=1 m=37
